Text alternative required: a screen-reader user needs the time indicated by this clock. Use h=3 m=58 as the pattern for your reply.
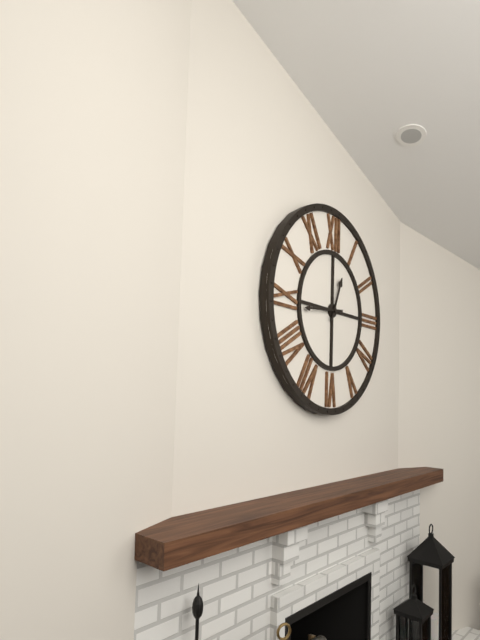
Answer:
h=12 m=44
